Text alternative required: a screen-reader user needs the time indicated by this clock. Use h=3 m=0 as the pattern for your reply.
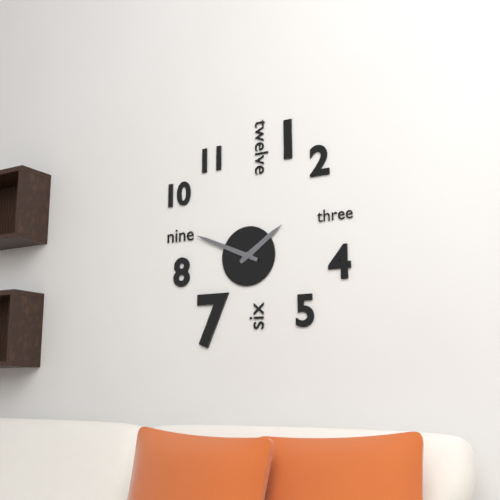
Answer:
h=1 m=49
